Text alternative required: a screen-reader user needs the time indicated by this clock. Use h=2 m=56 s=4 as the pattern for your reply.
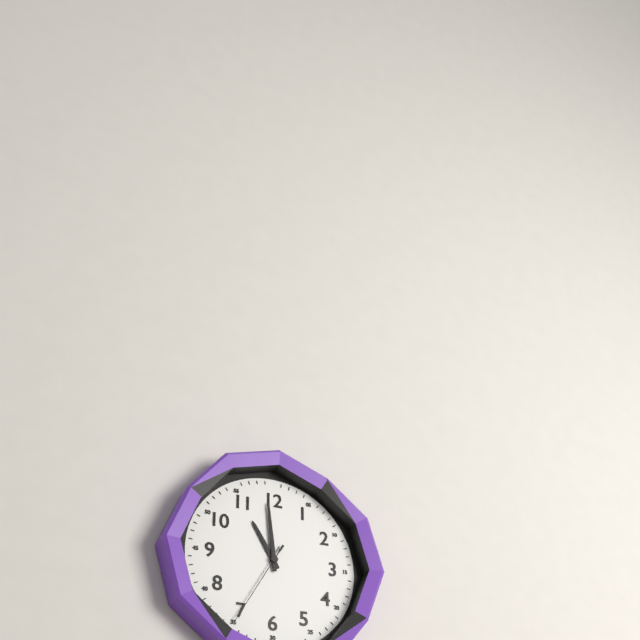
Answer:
h=10 m=59 s=35
